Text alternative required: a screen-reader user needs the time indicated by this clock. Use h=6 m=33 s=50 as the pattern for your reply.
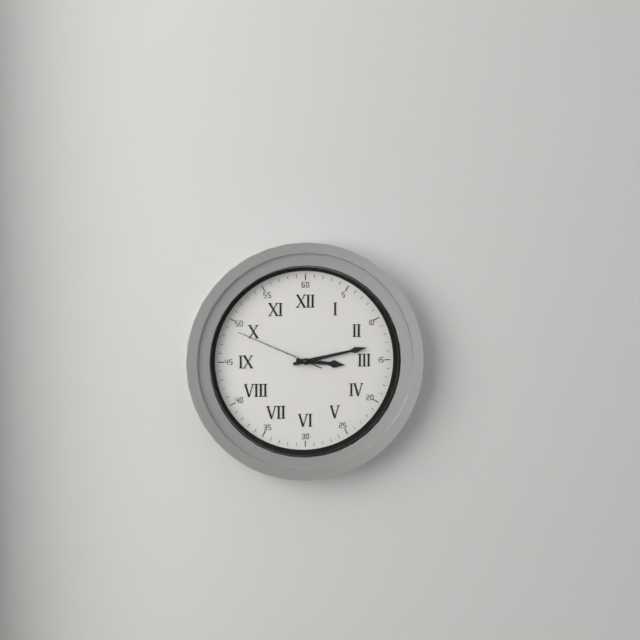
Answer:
h=3 m=13 s=49
